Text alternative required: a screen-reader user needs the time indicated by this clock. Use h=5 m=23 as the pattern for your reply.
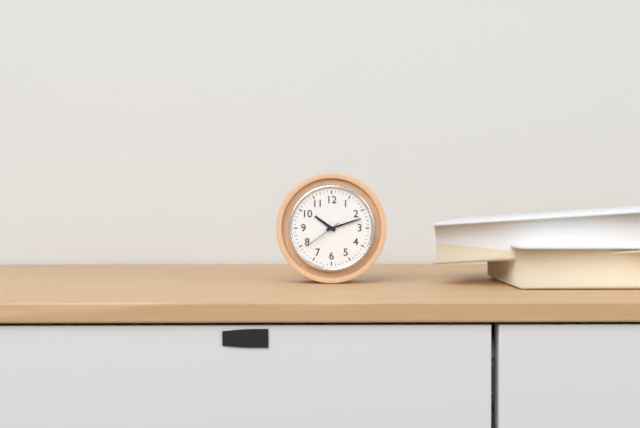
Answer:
h=10 m=12
